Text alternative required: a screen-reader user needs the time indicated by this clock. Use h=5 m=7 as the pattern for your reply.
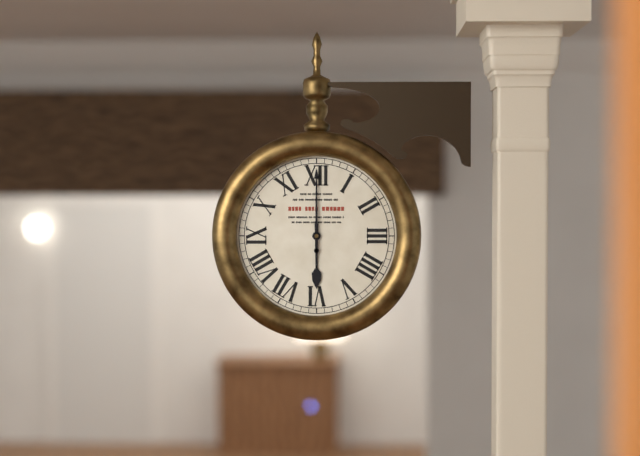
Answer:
h=6 m=0
